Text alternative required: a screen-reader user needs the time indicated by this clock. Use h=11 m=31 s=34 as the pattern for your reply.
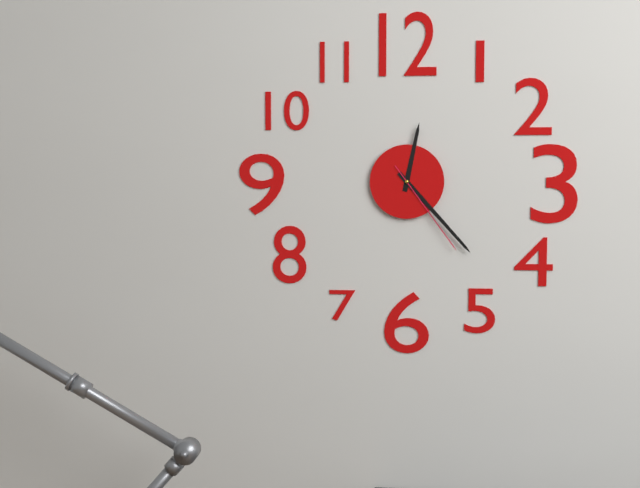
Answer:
h=12 m=23 s=24
